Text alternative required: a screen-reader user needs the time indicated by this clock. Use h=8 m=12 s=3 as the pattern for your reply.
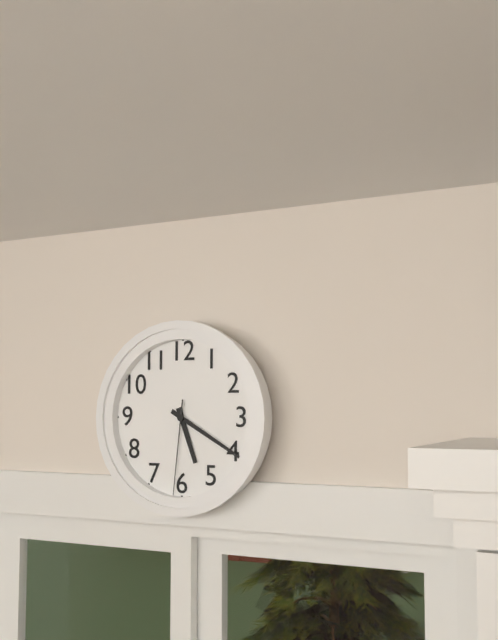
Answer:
h=5 m=20 s=31
